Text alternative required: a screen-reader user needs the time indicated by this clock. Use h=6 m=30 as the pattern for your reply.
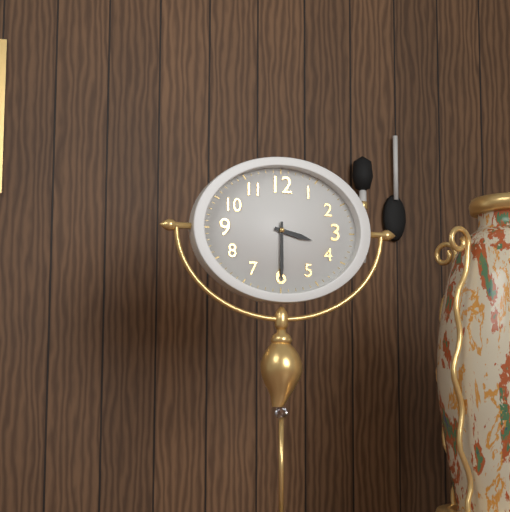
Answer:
h=3 m=30
